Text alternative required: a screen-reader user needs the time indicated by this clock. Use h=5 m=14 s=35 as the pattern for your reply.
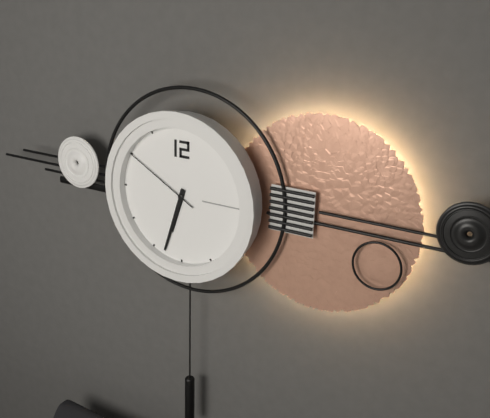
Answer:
h=6 m=33 s=50
